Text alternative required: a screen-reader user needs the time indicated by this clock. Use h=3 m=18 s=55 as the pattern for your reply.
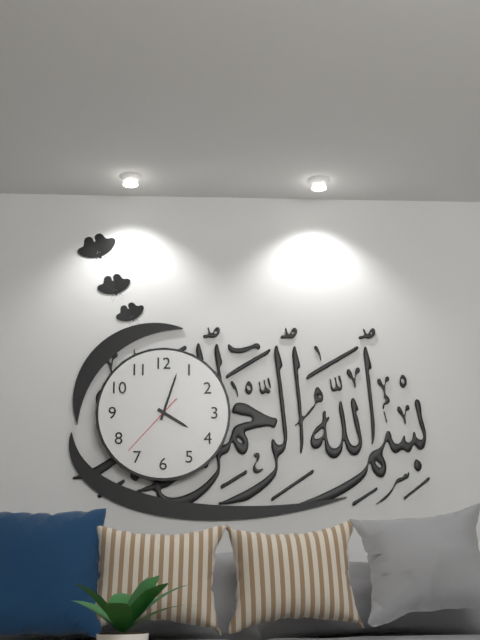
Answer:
h=4 m=3 s=37
